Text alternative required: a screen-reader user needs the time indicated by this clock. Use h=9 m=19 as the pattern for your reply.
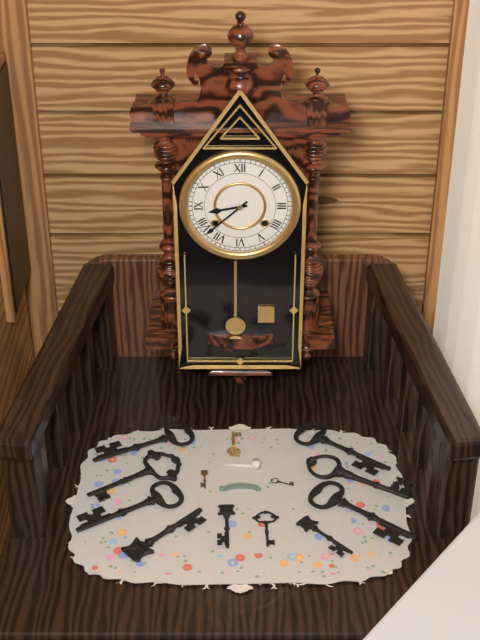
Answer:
h=8 m=38
